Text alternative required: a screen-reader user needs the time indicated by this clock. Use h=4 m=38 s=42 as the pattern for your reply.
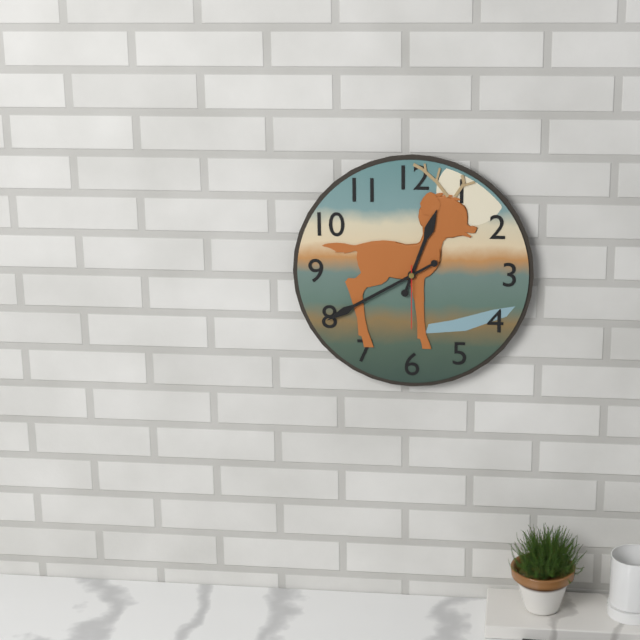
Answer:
h=12 m=40 s=30
